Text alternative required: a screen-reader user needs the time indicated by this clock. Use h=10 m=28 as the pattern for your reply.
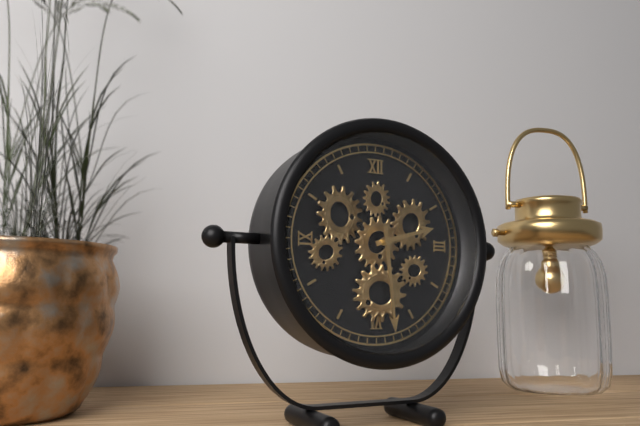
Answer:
h=2 m=29
